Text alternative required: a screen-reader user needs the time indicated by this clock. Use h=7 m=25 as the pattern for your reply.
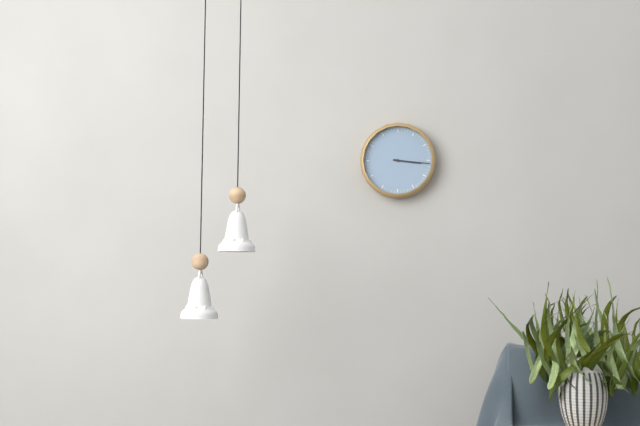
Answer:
h=3 m=16
